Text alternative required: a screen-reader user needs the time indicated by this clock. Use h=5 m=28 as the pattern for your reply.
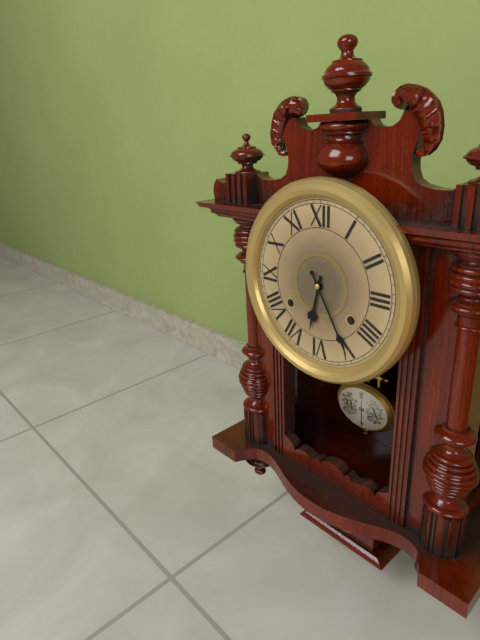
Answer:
h=6 m=25
